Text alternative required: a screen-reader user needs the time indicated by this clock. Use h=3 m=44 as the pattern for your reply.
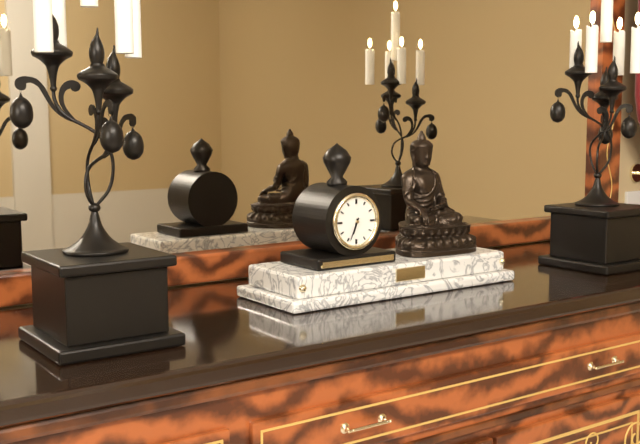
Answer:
h=6 m=34
